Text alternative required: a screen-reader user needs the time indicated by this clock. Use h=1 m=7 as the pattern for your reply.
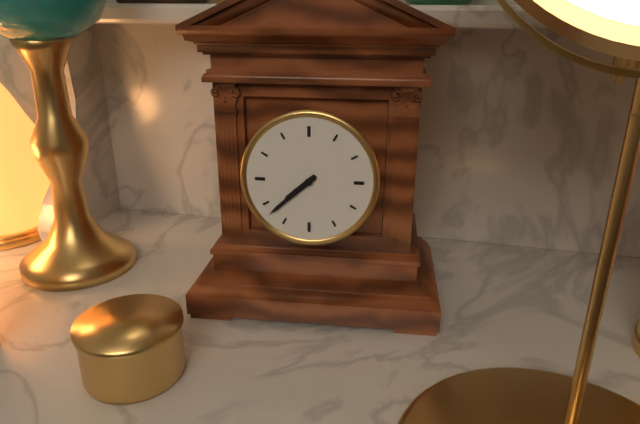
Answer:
h=7 m=38
